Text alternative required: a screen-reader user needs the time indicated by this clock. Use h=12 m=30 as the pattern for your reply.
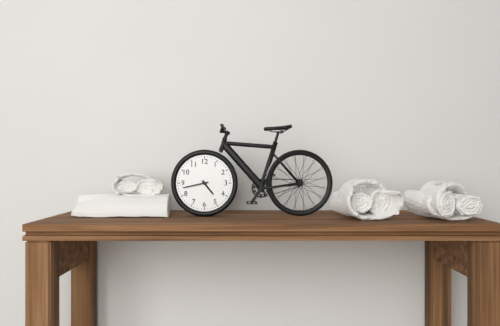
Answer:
h=4 m=43
